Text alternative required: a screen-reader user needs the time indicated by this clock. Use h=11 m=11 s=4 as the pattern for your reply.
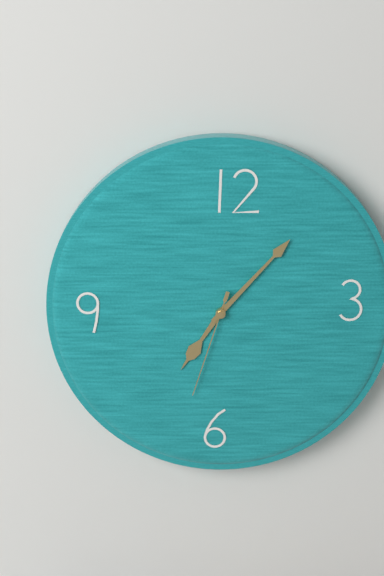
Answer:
h=7 m=7 s=33
